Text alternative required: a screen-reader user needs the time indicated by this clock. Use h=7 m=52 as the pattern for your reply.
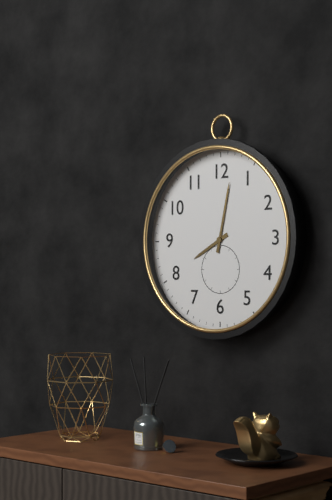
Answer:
h=8 m=2
